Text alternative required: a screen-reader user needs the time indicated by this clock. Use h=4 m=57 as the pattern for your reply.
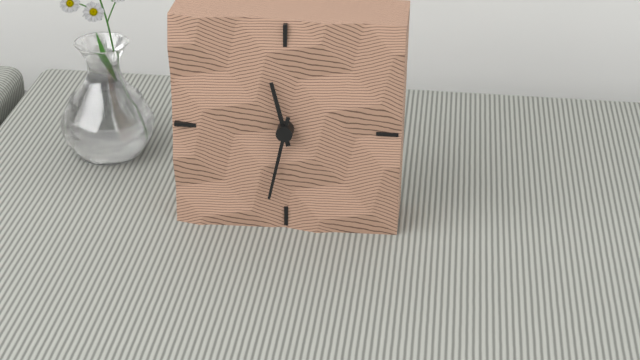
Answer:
h=11 m=32
